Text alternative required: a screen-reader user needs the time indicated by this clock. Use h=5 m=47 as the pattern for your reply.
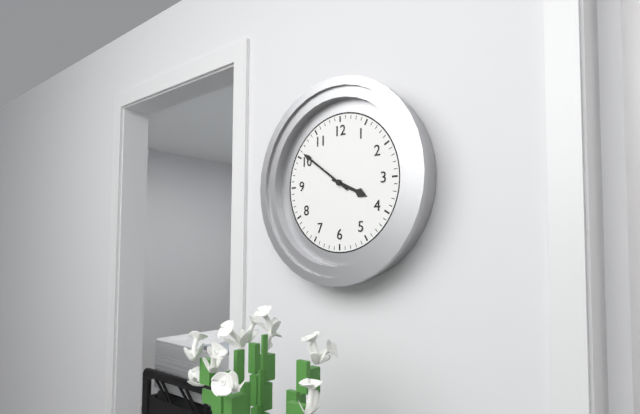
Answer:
h=3 m=51
